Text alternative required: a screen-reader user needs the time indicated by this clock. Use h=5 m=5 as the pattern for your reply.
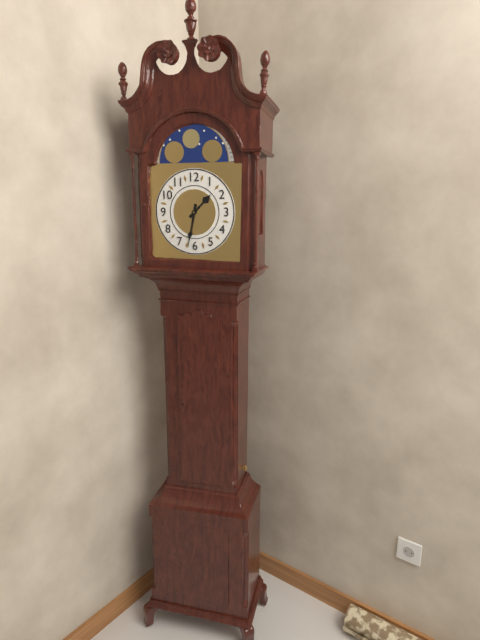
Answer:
h=1 m=32
